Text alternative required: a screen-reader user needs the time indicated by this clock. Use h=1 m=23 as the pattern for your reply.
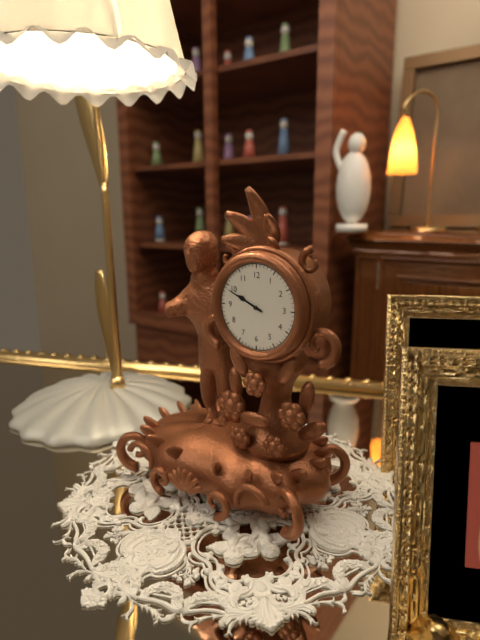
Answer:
h=9 m=49
